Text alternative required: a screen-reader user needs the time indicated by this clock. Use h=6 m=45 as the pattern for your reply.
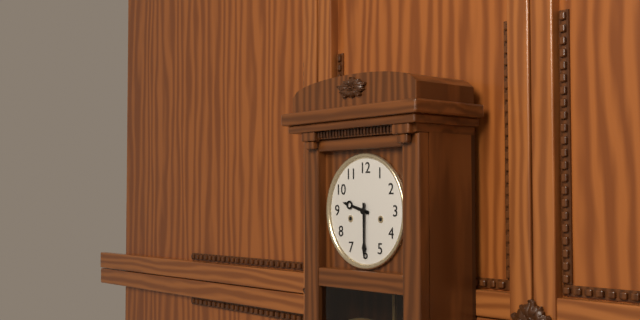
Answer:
h=9 m=30
